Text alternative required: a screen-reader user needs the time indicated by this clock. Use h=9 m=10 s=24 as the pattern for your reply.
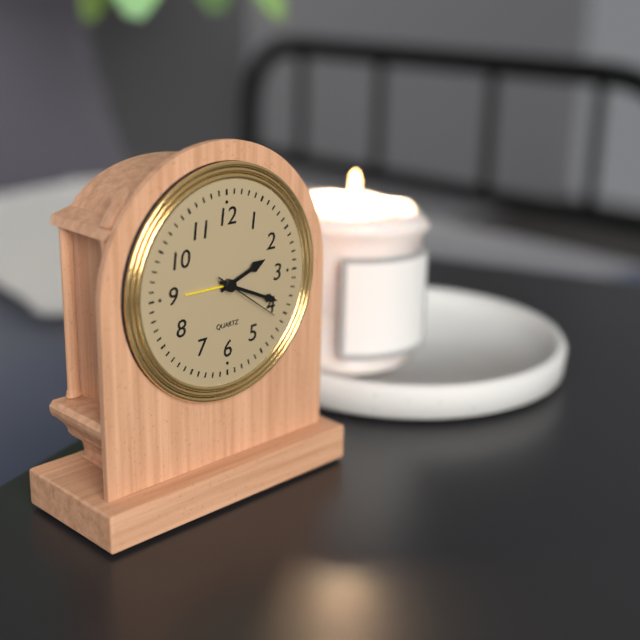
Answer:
h=2 m=19 s=21
